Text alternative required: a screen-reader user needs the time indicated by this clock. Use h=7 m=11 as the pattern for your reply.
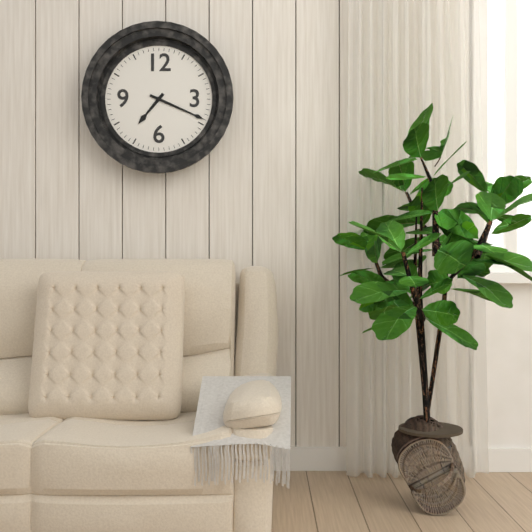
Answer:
h=7 m=19
